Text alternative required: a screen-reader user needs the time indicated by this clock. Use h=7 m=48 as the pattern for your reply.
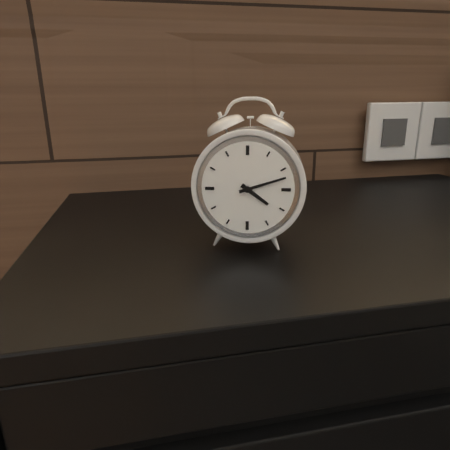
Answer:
h=4 m=12
